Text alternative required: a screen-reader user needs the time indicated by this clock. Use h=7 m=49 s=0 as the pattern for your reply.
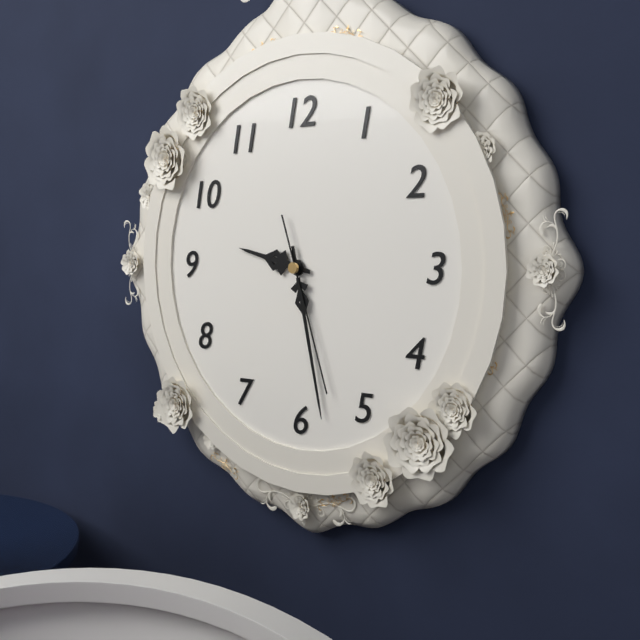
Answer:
h=9 m=28 s=27
